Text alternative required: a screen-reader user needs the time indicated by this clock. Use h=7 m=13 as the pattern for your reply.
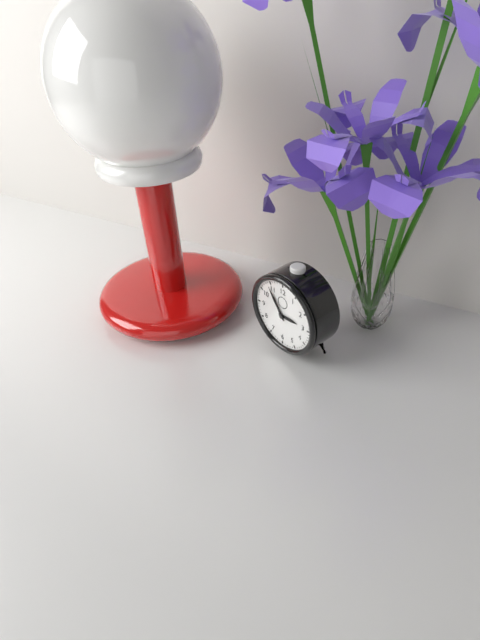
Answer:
h=2 m=54
